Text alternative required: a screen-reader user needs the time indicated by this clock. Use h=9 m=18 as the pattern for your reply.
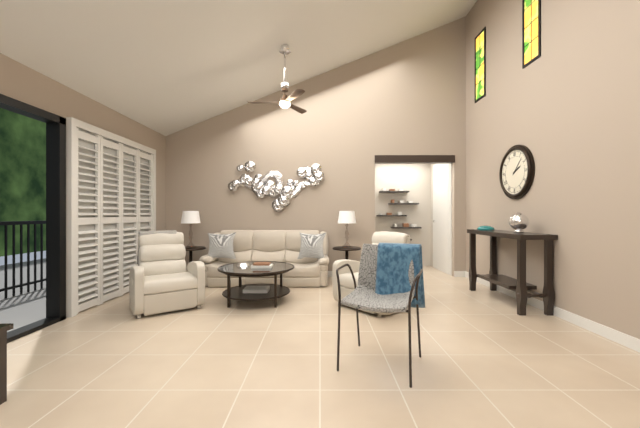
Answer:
h=2 m=7
